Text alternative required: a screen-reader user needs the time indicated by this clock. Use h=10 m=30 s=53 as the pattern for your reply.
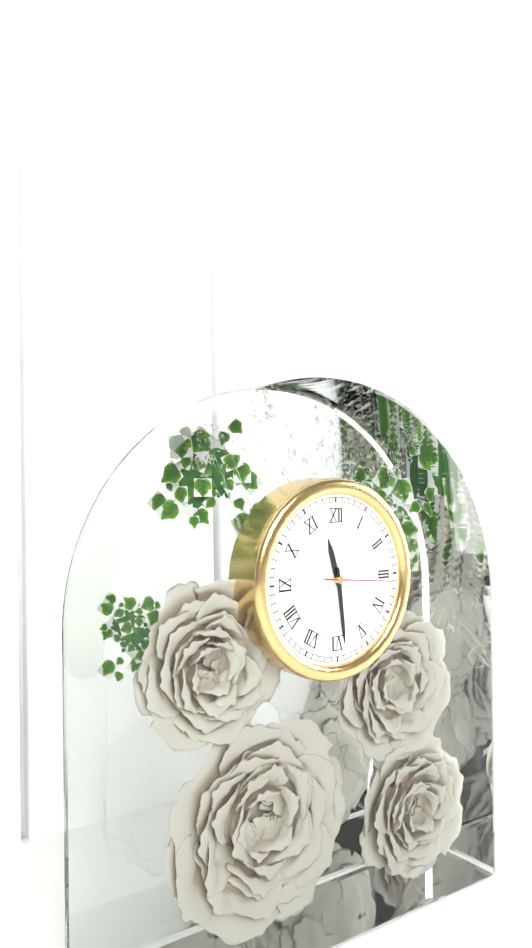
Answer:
h=11 m=29 s=16
